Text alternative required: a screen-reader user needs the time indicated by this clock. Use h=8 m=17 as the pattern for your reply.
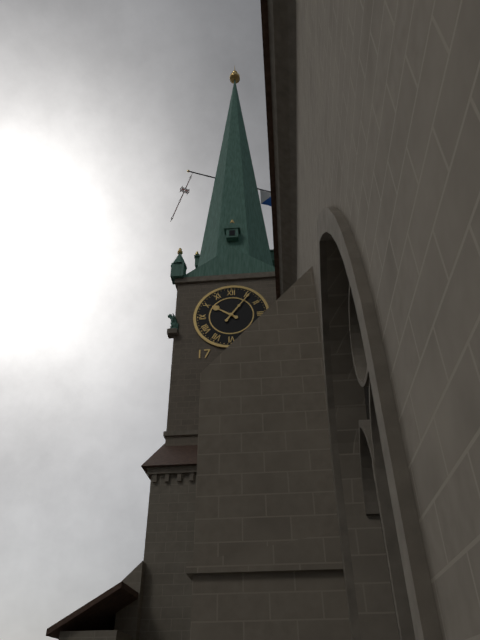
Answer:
h=10 m=6
